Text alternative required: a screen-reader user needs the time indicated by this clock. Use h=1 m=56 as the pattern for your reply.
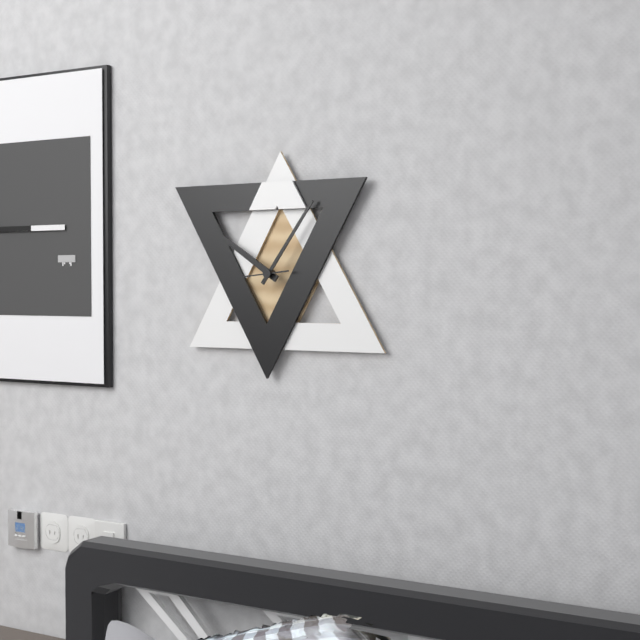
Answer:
h=10 m=6
